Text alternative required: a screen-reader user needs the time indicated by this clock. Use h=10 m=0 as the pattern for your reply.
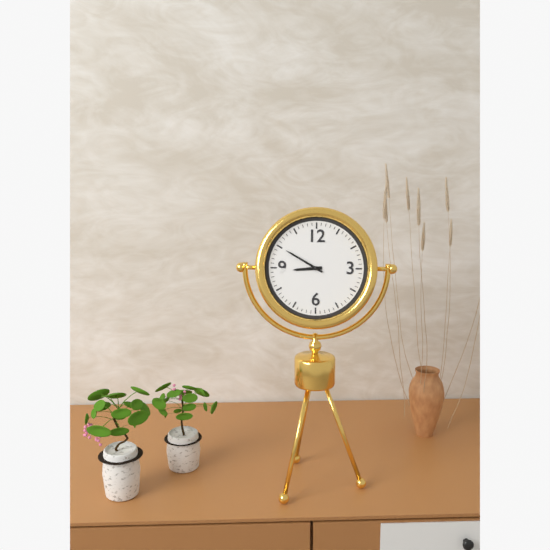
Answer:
h=8 m=50
